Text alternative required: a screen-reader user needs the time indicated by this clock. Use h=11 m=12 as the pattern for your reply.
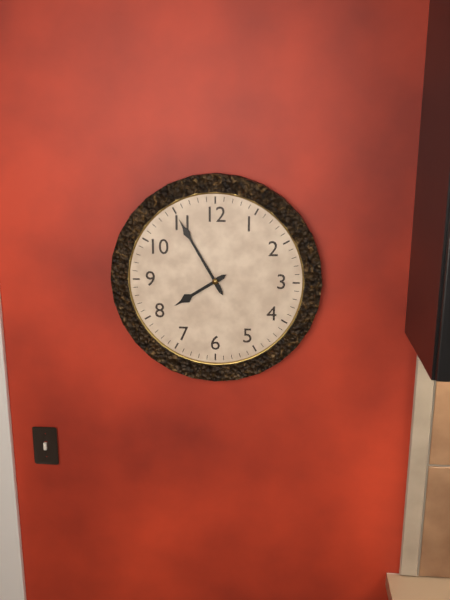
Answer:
h=7 m=55
